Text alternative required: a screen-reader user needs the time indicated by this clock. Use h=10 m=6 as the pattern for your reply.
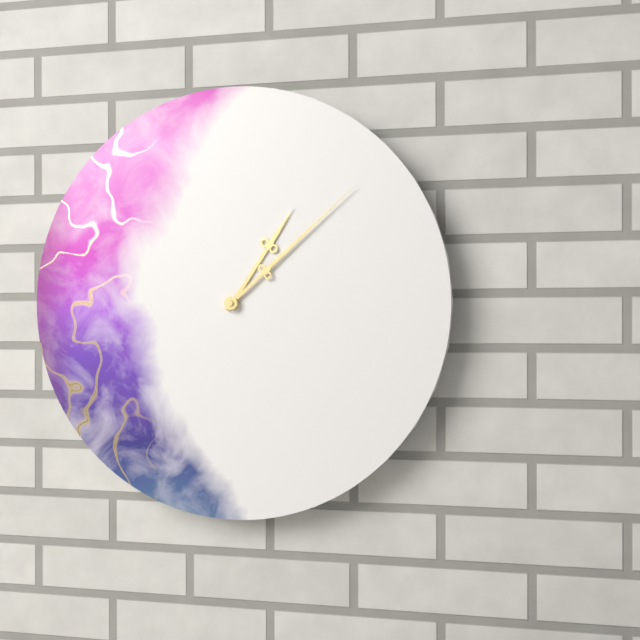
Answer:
h=1 m=8
